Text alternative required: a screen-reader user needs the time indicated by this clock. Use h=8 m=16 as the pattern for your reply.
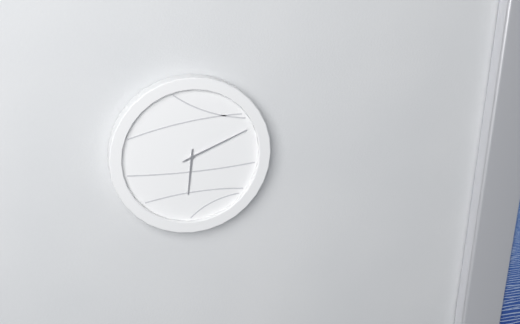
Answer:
h=6 m=11
